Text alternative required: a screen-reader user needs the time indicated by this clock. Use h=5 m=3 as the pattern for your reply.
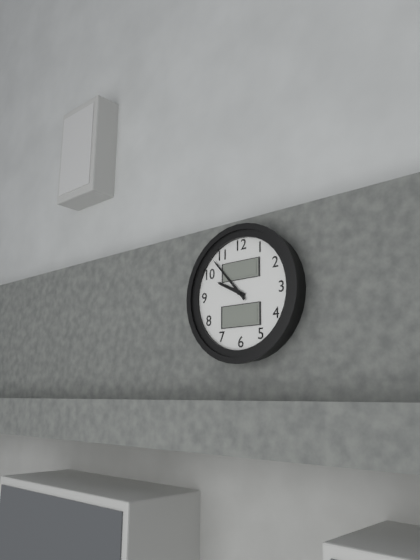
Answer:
h=9 m=53
